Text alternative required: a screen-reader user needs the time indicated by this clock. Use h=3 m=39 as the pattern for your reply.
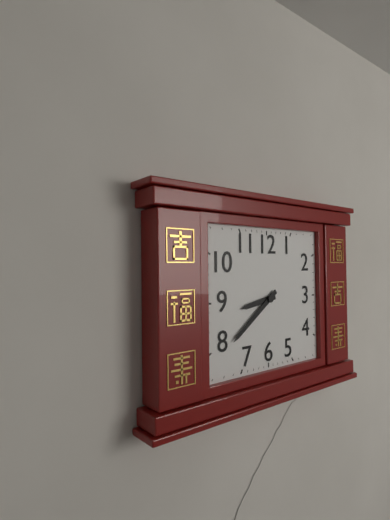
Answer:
h=8 m=39
